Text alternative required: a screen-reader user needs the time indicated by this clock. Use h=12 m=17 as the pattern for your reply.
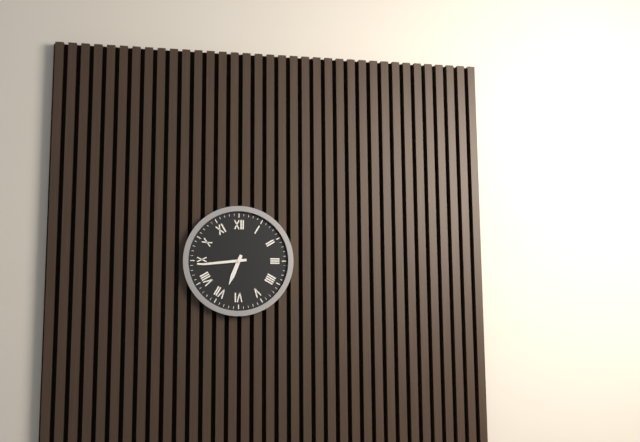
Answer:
h=6 m=44
